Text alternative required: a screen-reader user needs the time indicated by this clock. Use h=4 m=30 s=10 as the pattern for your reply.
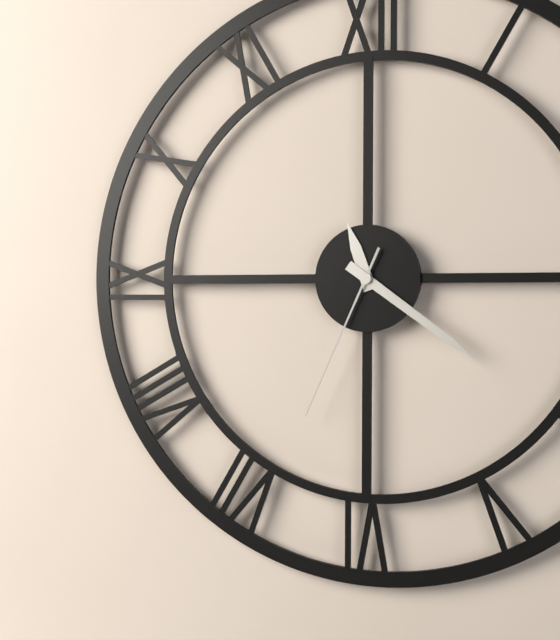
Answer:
h=11 m=21 s=34
